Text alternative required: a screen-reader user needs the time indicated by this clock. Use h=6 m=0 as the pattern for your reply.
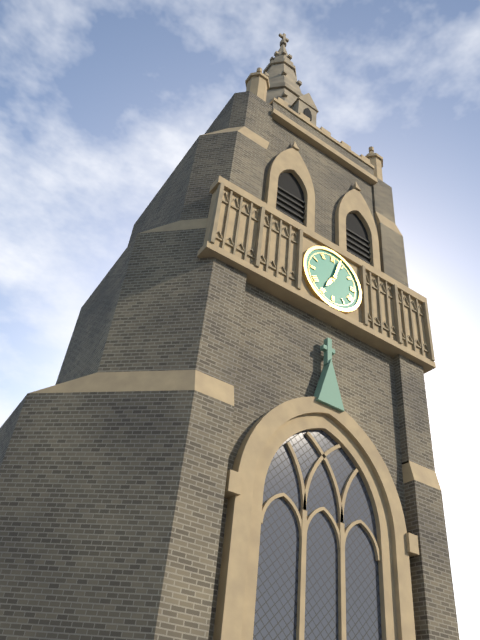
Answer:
h=7 m=3
